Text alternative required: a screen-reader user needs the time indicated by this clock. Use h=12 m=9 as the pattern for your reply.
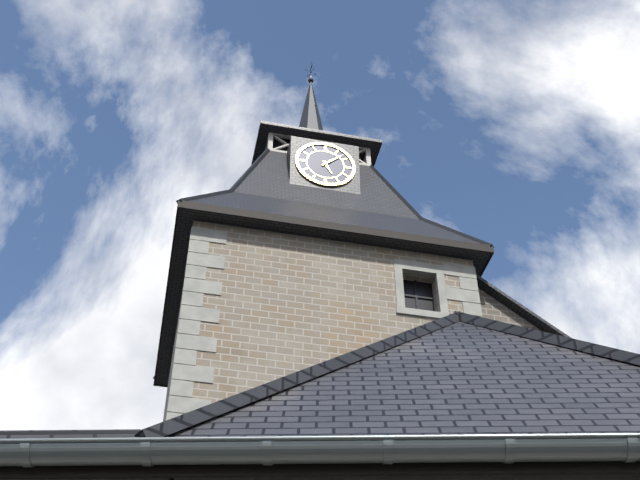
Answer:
h=5 m=8
